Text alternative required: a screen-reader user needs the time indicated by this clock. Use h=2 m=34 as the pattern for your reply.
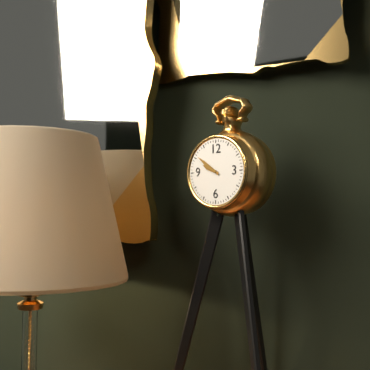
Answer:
h=9 m=51
